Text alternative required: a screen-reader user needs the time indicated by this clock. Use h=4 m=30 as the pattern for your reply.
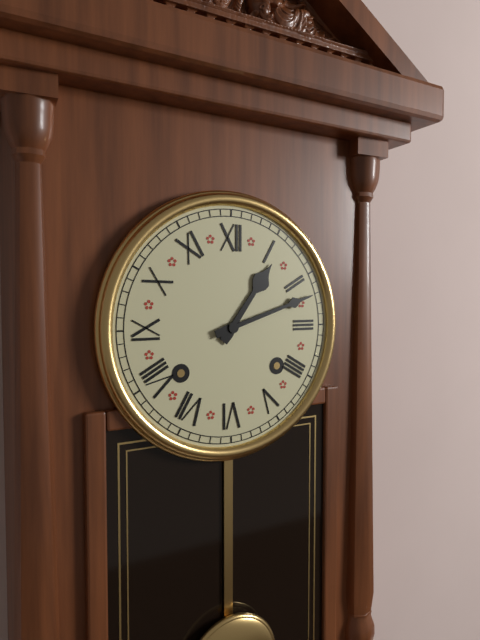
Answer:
h=1 m=12
